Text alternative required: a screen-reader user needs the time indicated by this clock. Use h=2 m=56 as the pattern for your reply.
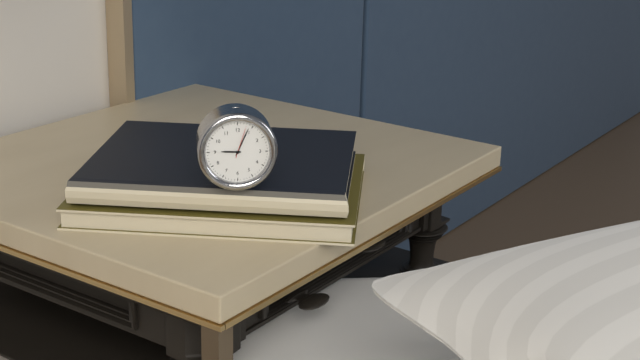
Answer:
h=9 m=4
